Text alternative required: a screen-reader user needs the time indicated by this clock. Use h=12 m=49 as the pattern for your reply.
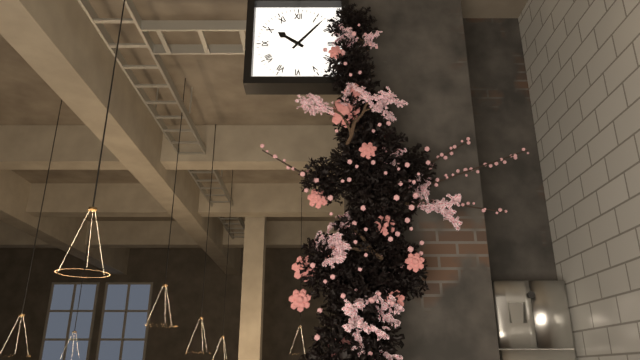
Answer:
h=10 m=7
